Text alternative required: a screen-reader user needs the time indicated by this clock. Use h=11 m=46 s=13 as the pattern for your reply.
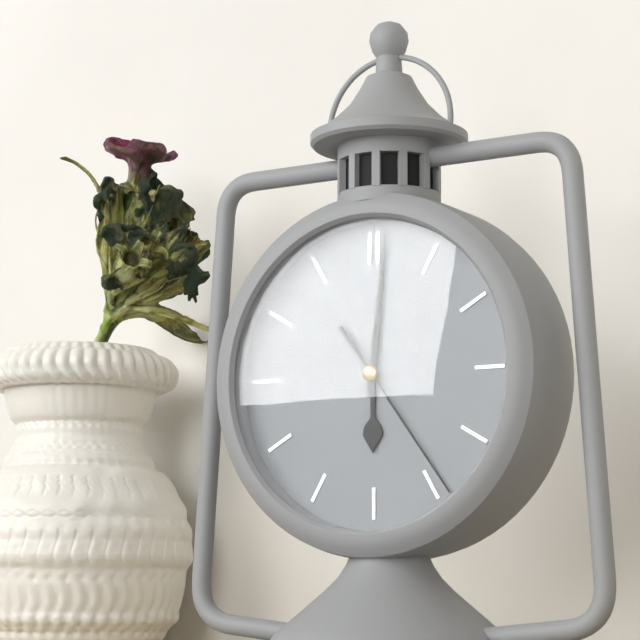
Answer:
h=6 m=1 s=24
